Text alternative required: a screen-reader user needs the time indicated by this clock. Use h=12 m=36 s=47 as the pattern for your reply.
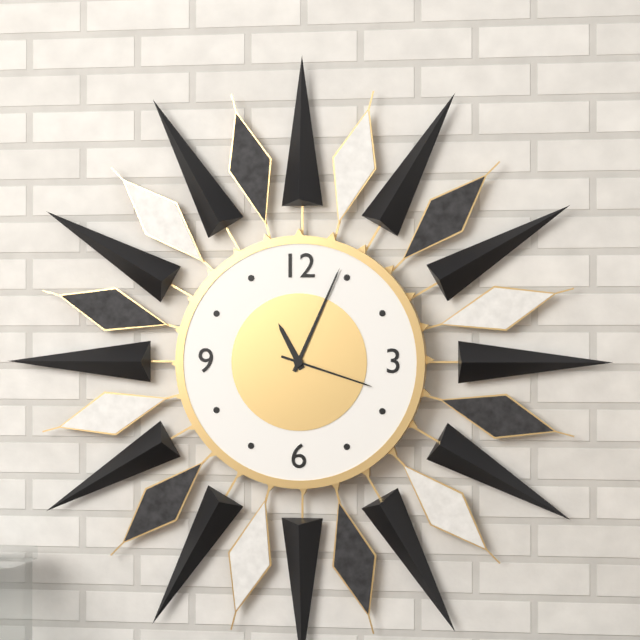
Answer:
h=11 m=4 s=18
